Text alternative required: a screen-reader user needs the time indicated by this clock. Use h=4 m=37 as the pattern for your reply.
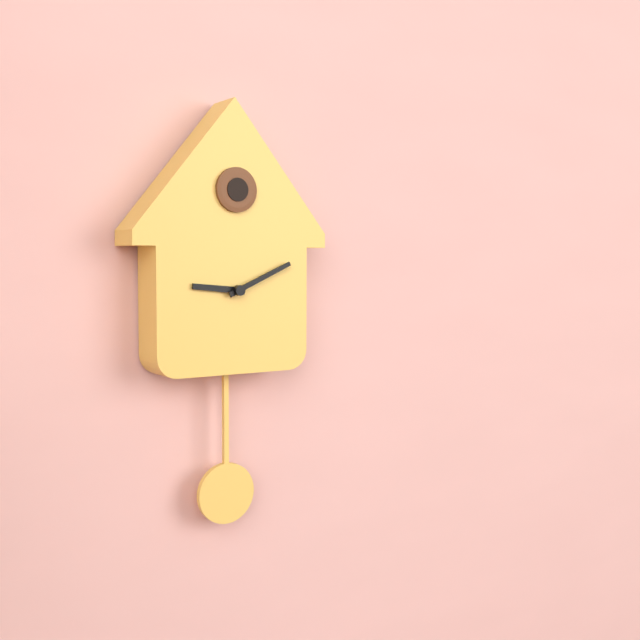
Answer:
h=9 m=11
